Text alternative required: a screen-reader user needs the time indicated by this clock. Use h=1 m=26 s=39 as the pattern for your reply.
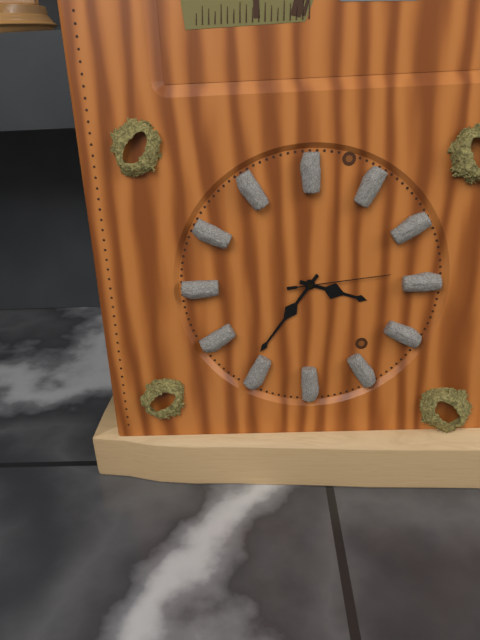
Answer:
h=3 m=36 s=14
